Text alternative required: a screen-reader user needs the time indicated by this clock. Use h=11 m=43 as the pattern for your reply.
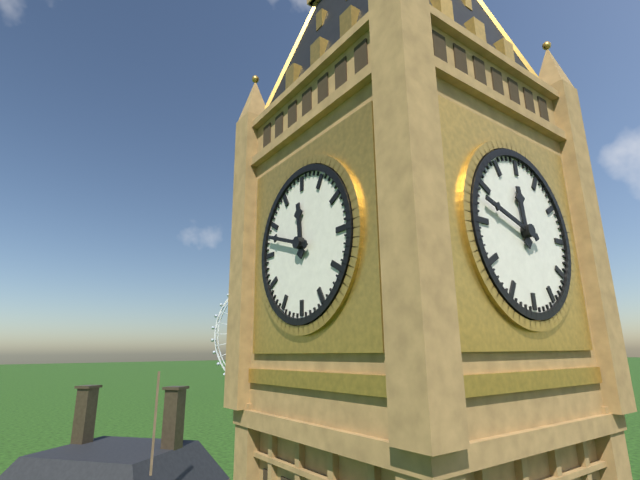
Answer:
h=11 m=48
